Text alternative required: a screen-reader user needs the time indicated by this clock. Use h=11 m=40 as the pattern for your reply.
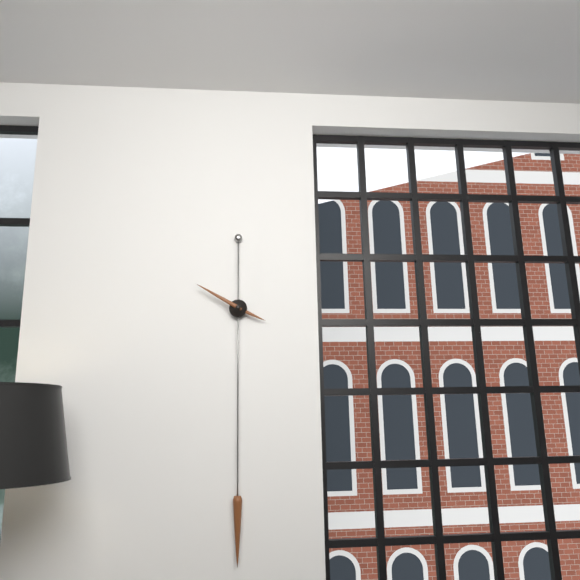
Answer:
h=3 m=50
